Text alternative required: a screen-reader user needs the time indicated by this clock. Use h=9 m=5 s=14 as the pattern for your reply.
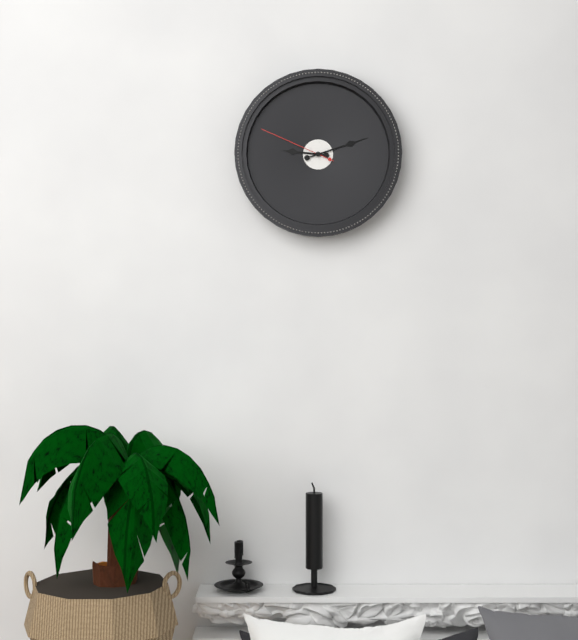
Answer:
h=9 m=12 s=49
